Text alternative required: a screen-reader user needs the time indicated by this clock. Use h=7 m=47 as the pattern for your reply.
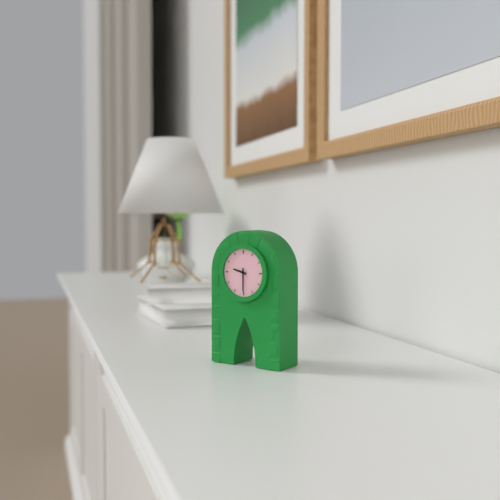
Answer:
h=9 m=30
